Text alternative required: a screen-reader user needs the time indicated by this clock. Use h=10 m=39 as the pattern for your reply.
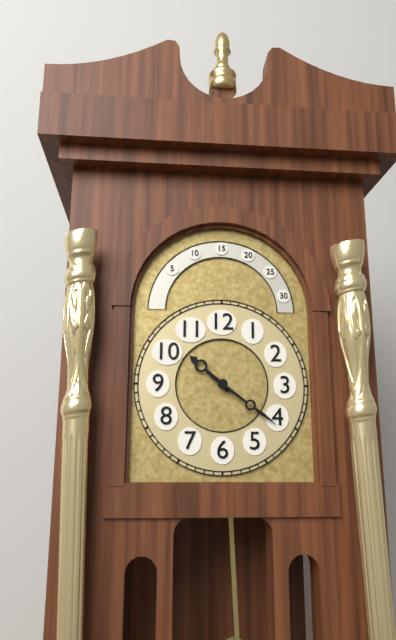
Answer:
h=10 m=21
